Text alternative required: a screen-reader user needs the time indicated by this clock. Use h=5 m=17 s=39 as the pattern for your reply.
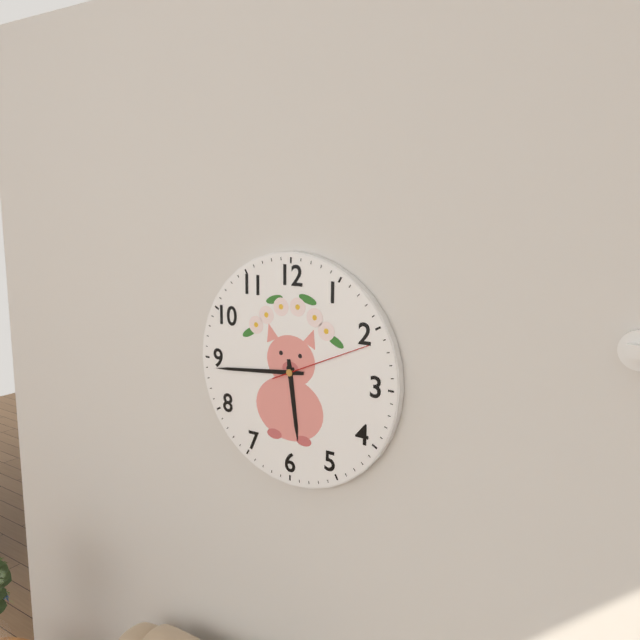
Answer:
h=5 m=44 s=11
